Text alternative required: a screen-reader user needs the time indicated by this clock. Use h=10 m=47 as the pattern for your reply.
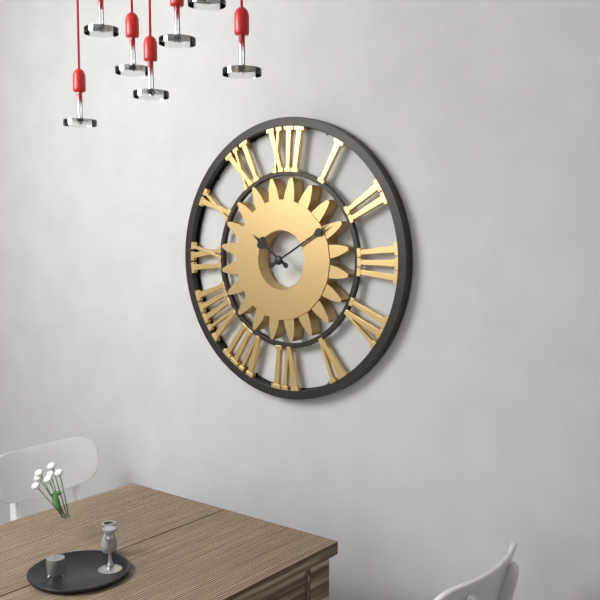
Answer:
h=10 m=10
